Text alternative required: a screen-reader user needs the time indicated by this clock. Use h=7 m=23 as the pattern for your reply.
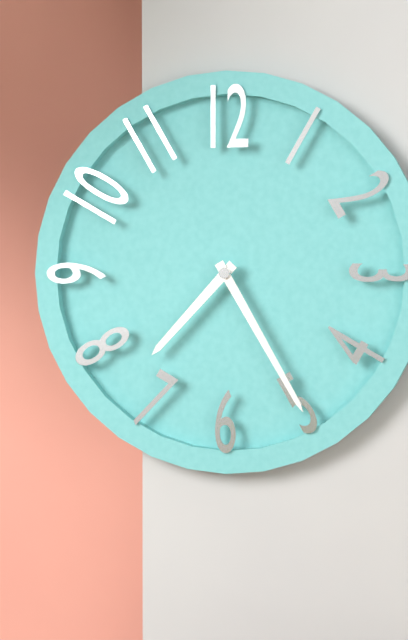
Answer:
h=7 m=25
